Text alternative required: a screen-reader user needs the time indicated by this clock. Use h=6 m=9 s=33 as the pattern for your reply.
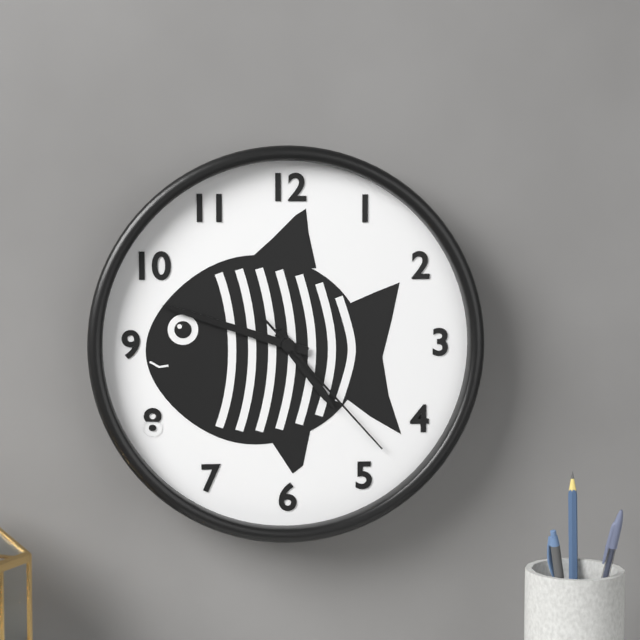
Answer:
h=4 m=48 s=23
